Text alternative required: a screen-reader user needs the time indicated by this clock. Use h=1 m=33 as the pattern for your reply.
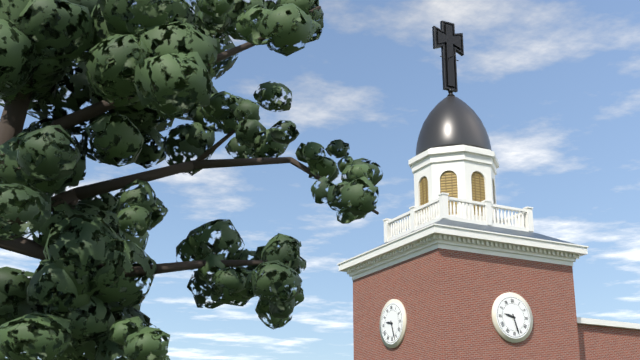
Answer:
h=9 m=27
